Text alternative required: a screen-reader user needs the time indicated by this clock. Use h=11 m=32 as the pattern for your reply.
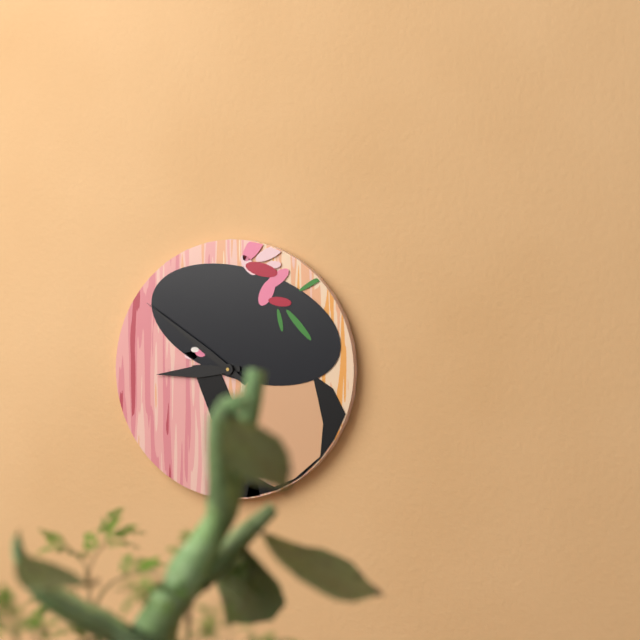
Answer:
h=8 m=51
